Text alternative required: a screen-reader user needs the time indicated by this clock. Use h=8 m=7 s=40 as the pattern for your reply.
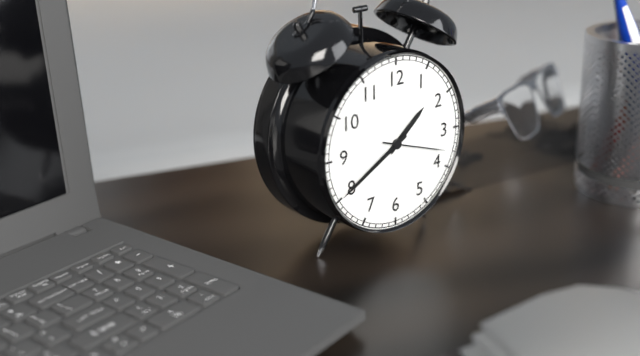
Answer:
h=1 m=40 s=18
